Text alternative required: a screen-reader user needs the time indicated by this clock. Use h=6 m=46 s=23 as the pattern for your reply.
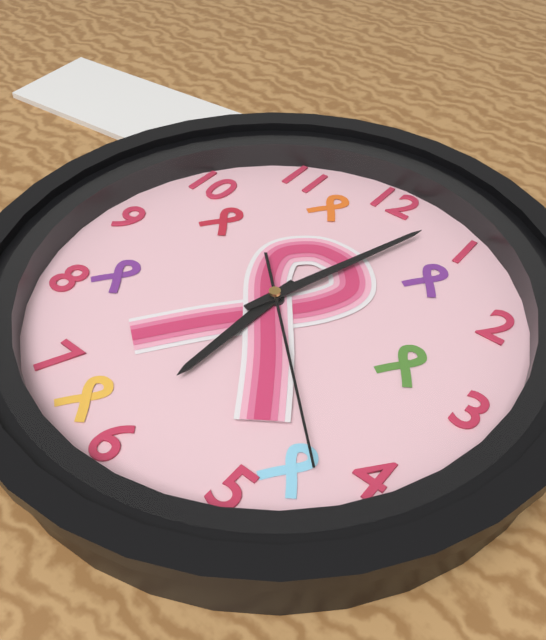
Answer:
h=6 m=3 s=22
